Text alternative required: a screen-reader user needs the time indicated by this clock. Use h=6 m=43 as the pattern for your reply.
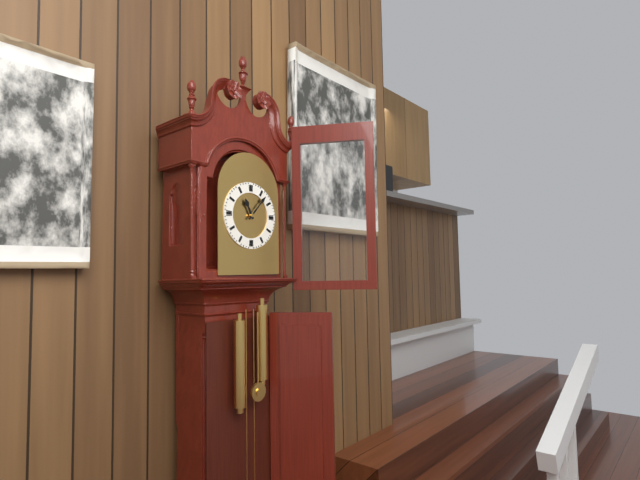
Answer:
h=11 m=7
